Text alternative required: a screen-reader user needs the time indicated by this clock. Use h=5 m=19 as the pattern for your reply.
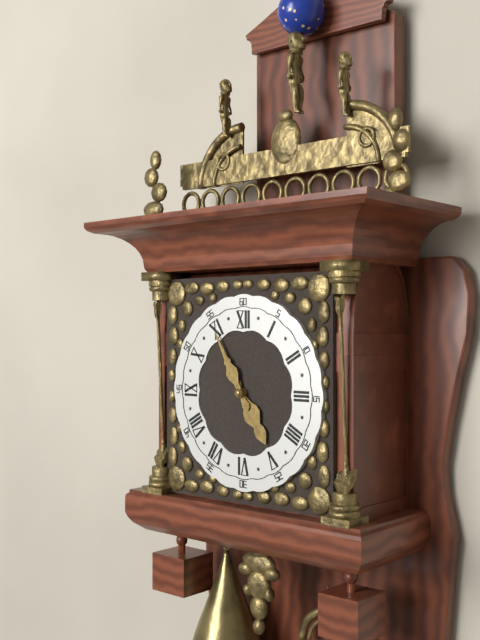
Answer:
h=4 m=55
